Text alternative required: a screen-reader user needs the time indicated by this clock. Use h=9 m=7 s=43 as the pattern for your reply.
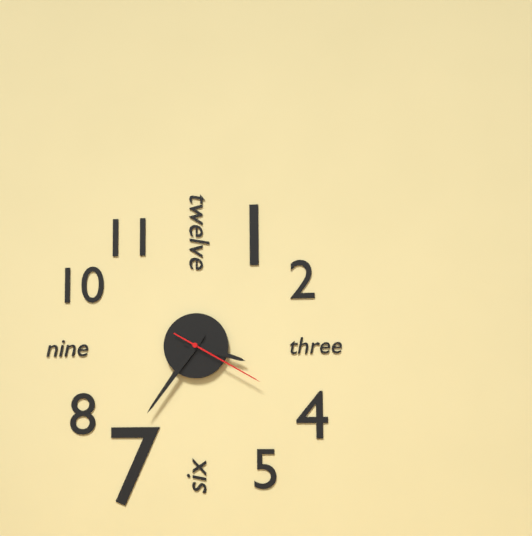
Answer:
h=3 m=36 s=20
